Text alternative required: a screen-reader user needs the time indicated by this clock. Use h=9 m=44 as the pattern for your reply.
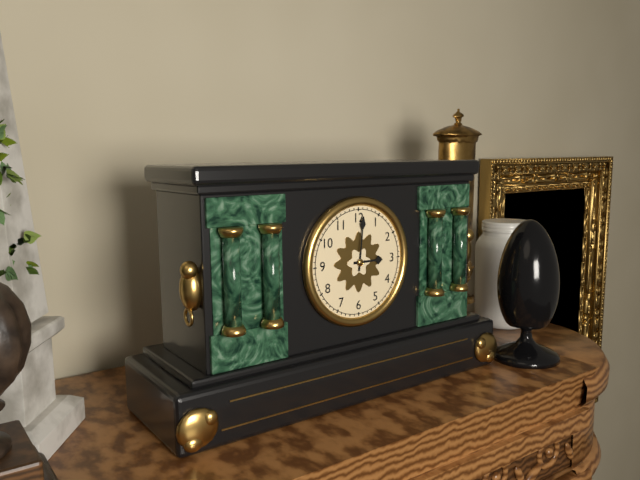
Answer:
h=3 m=1
